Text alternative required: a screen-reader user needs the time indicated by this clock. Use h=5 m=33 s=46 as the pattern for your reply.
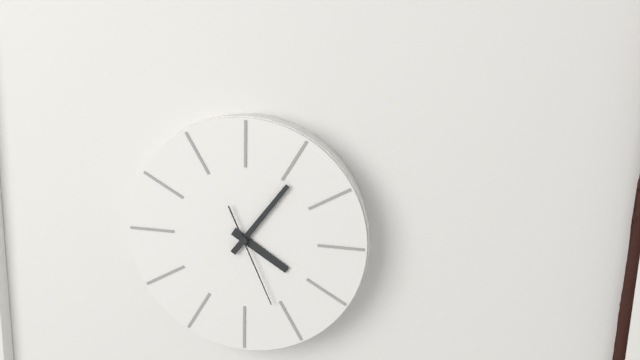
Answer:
h=4 m=6 s=26
